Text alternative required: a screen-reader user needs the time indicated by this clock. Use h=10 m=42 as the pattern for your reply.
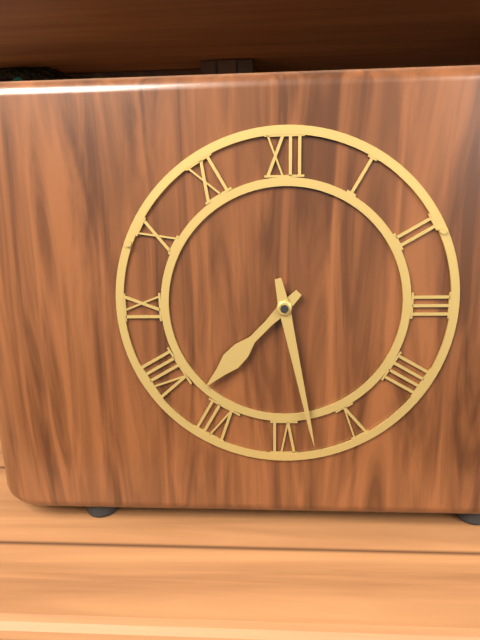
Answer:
h=7 m=28
